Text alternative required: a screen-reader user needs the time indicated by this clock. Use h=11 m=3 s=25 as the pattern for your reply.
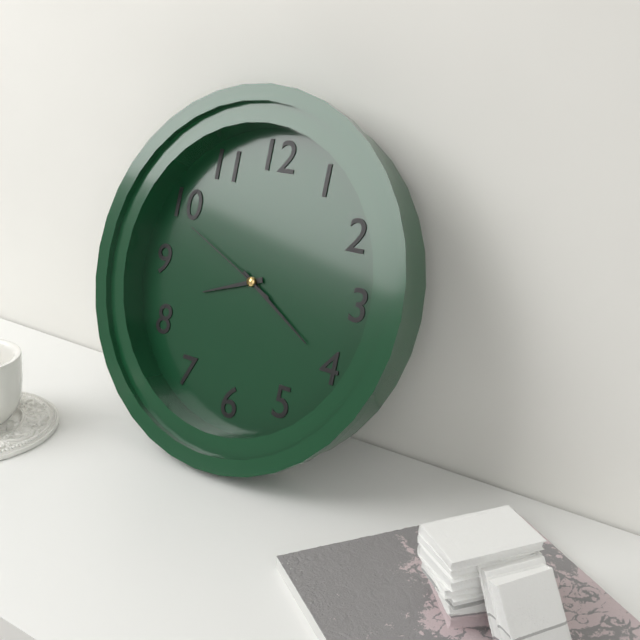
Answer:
h=8 m=20 s=49
